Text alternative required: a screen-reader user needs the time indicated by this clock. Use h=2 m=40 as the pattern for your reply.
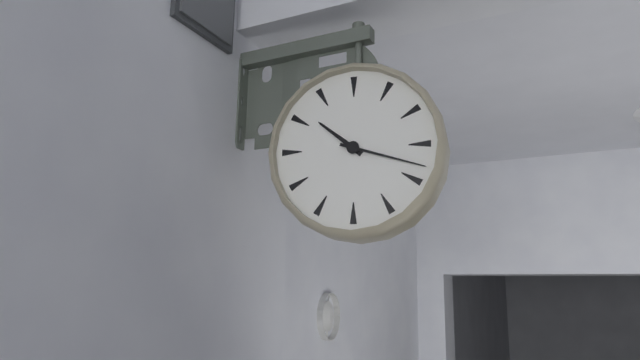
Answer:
h=10 m=18
